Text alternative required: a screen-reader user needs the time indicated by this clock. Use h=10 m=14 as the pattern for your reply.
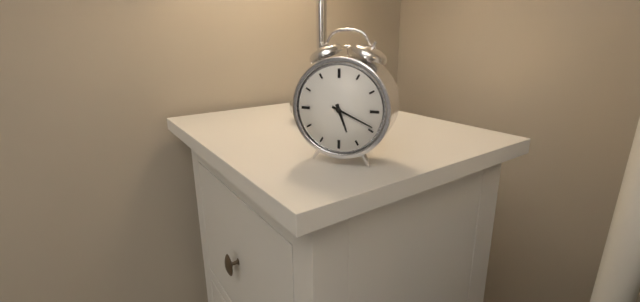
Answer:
h=5 m=19
